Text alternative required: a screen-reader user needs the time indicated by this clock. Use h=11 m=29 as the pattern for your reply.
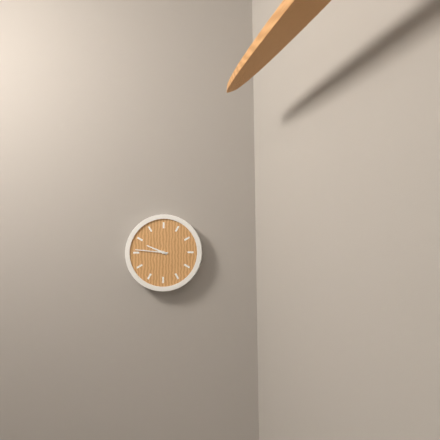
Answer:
h=9 m=46
